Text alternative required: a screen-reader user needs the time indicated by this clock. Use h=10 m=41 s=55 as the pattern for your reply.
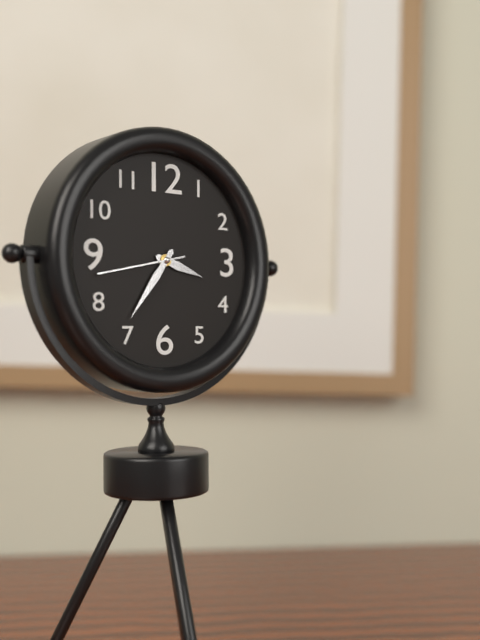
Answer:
h=3 m=36 s=43
